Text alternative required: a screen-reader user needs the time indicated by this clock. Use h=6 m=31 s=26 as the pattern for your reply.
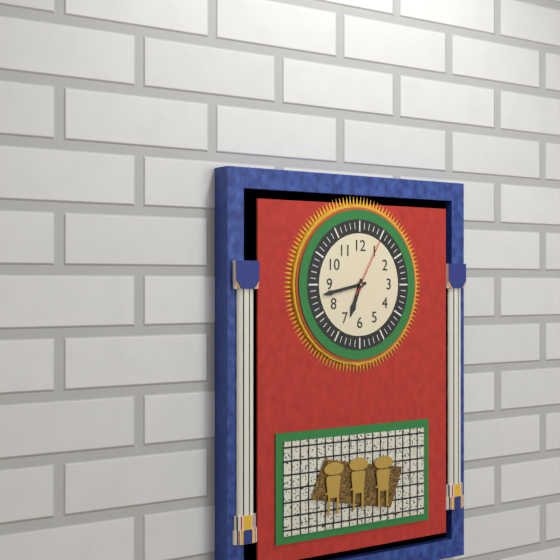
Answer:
h=6 m=43 s=5
